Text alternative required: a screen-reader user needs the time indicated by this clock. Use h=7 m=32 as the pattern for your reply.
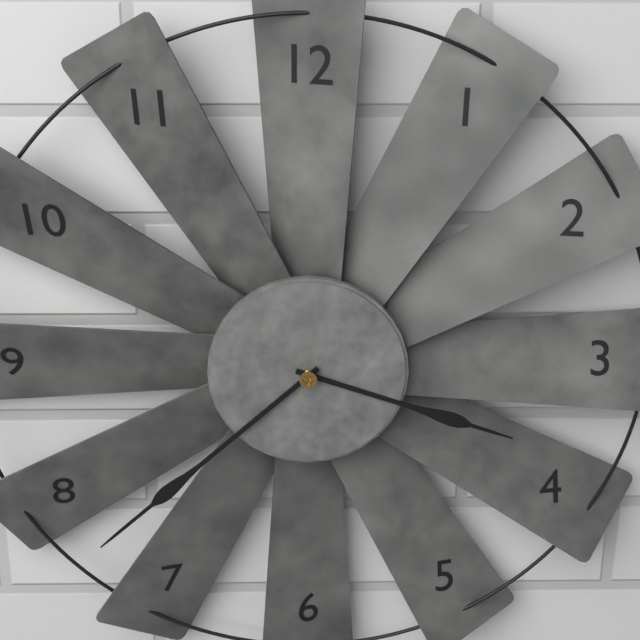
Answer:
h=3 m=38
